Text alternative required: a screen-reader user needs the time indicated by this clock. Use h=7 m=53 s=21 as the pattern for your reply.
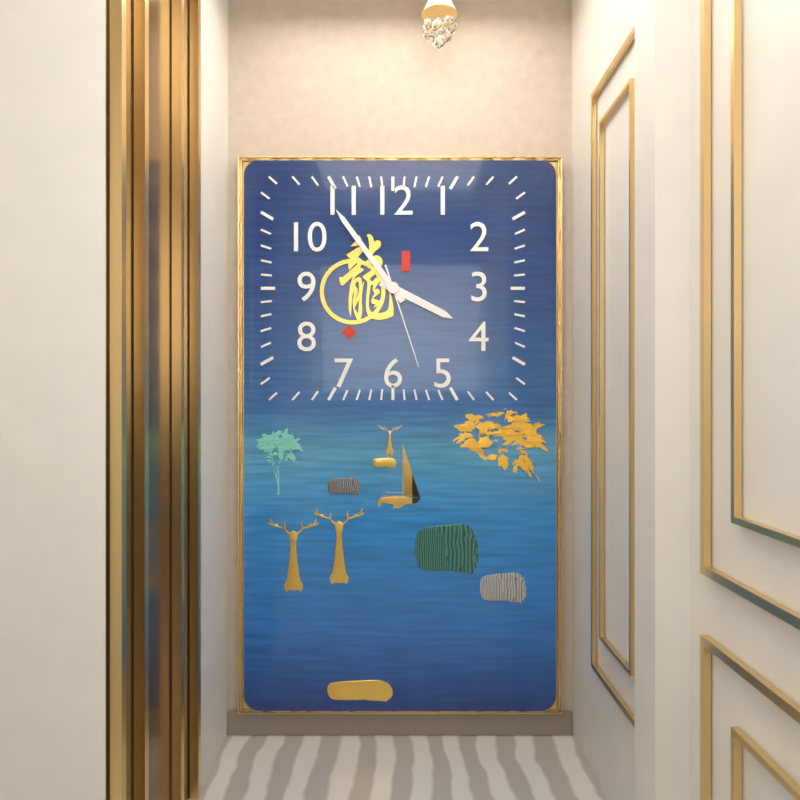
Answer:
h=3 m=54 s=27
